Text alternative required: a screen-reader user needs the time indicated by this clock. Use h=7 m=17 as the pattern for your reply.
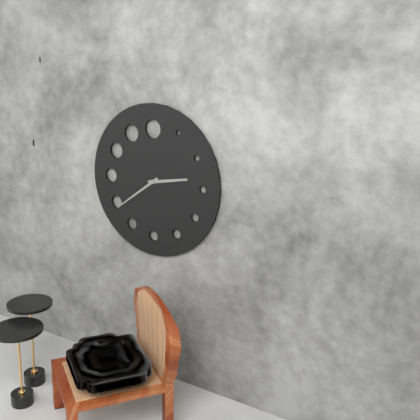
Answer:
h=2 m=39
